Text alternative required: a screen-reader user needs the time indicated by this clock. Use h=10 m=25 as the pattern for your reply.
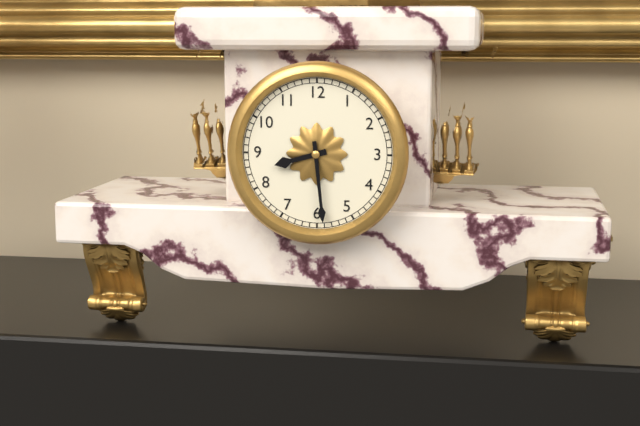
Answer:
h=8 m=29
